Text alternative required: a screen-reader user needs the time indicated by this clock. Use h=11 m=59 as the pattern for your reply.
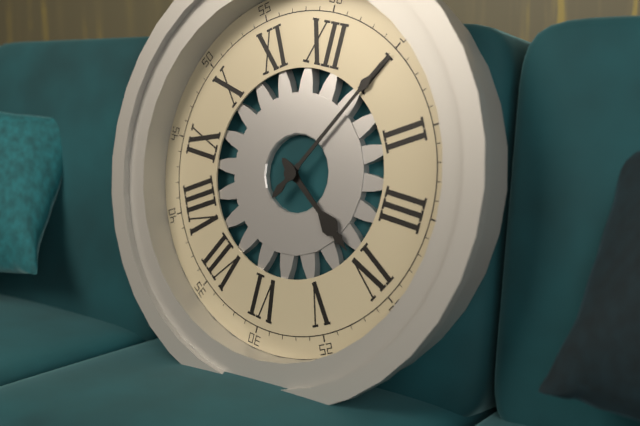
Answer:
h=4 m=5
